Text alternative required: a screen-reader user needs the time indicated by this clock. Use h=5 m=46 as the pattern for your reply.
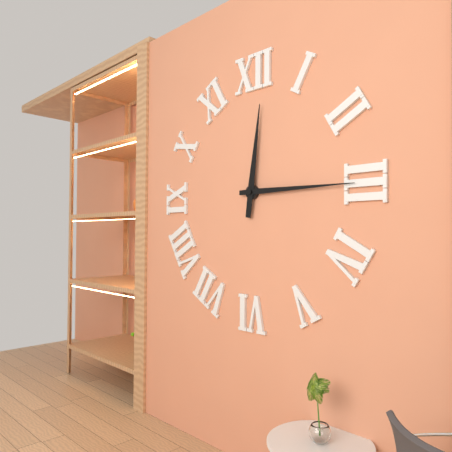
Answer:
h=12 m=15
